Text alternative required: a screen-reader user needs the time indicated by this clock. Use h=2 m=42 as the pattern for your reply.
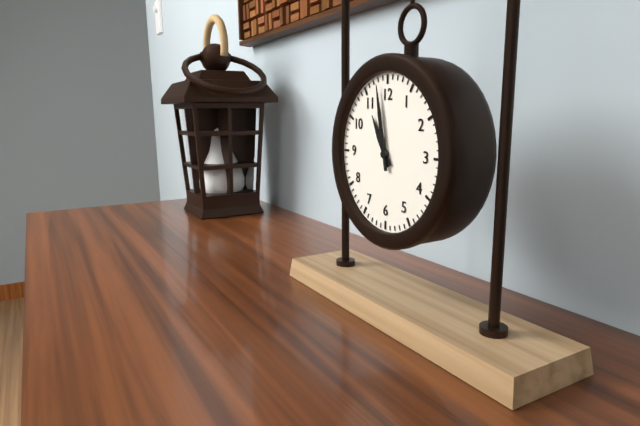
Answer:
h=10 m=58
